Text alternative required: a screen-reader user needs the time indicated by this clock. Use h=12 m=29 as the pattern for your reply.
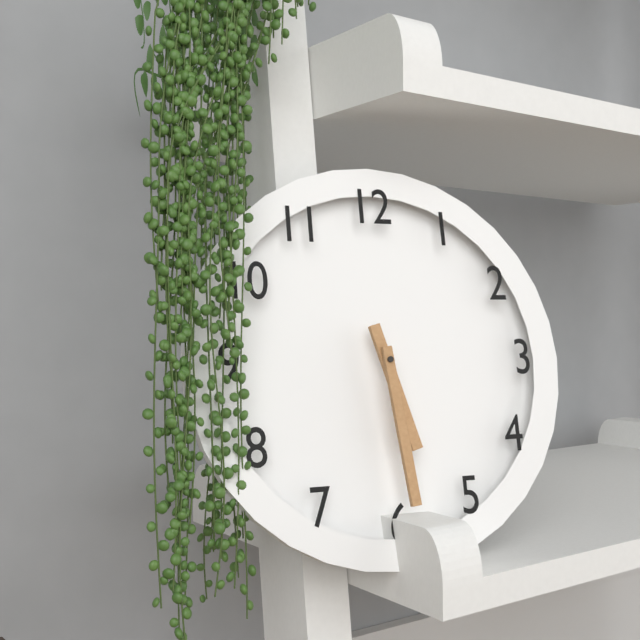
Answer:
h=5 m=29
